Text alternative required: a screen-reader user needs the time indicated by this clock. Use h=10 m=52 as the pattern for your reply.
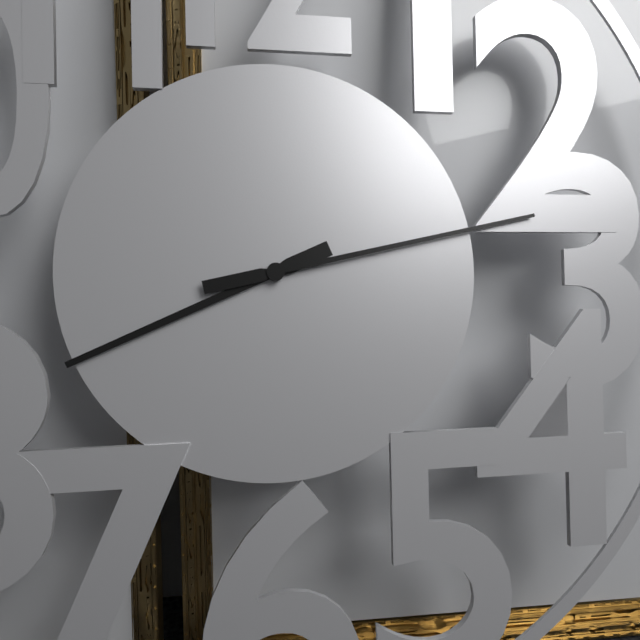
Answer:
h=8 m=13
